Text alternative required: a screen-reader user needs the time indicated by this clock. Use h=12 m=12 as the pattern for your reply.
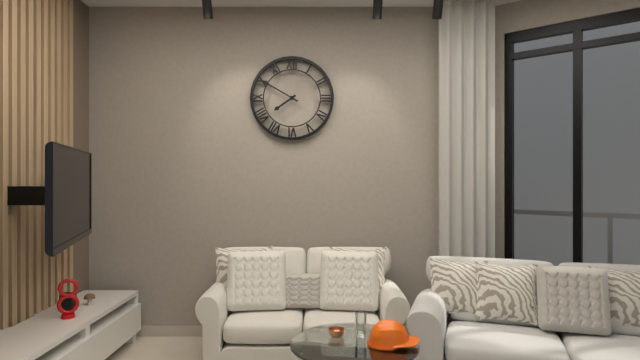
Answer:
h=7 m=50
